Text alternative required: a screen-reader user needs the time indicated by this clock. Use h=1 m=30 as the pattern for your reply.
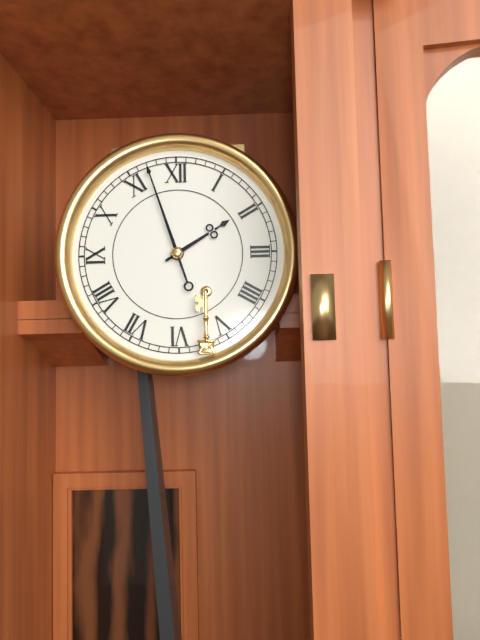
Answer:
h=1 m=57
